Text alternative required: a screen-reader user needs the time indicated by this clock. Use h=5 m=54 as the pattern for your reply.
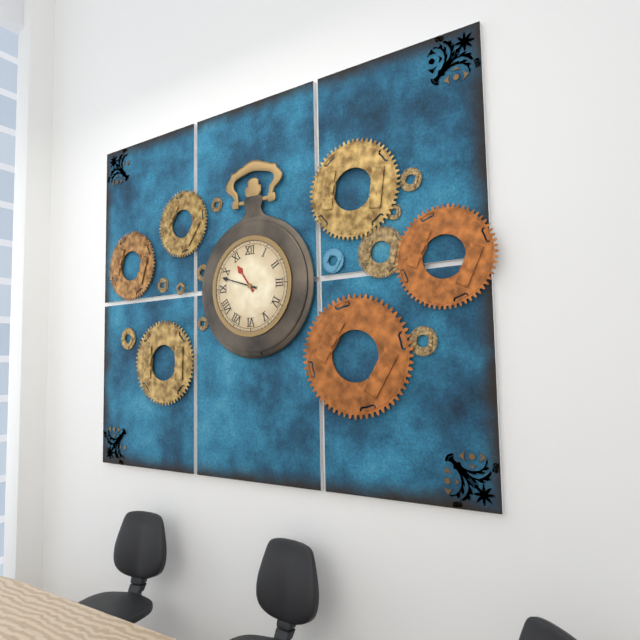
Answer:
h=10 m=48
